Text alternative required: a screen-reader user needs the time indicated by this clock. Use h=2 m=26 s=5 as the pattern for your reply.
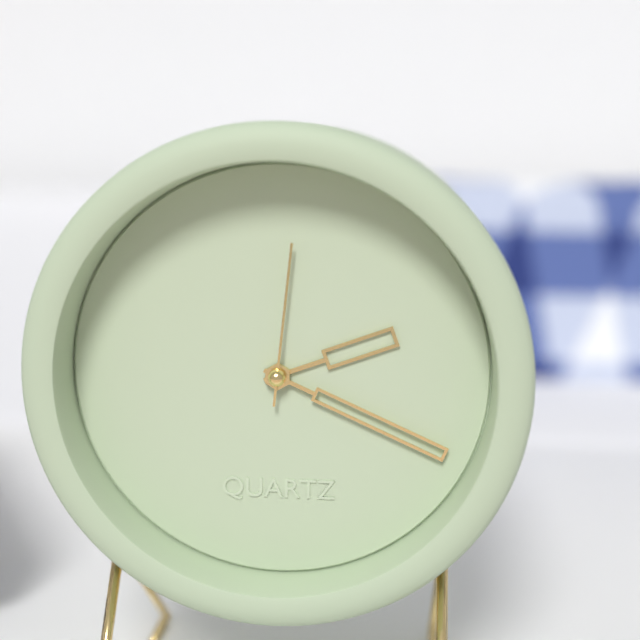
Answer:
h=2 m=19 s=1
